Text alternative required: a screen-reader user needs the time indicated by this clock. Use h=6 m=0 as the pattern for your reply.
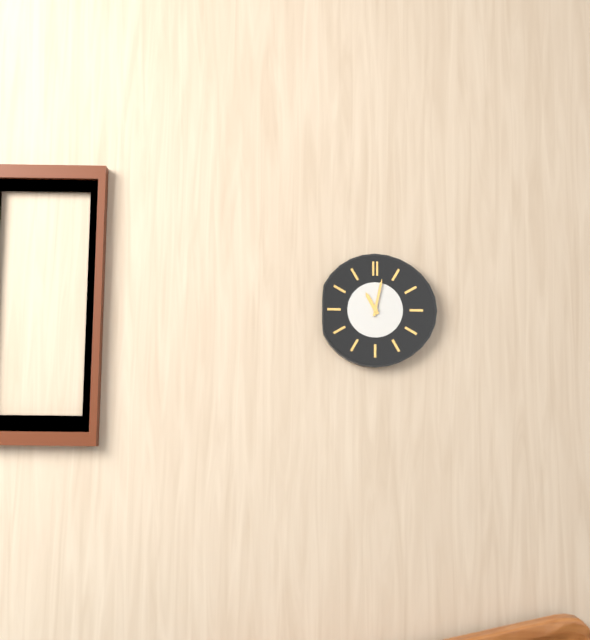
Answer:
h=11 m=2
